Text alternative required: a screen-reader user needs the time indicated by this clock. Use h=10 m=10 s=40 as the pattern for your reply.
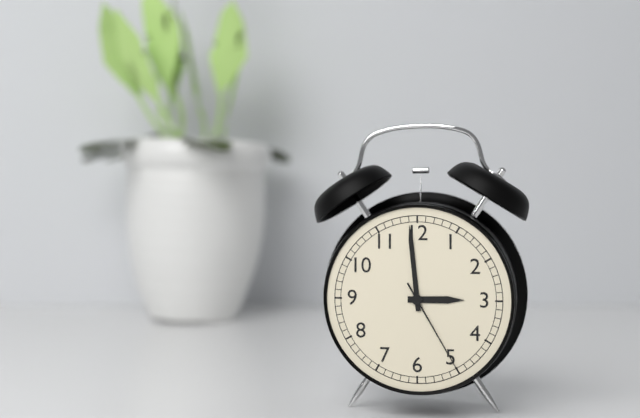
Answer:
h=2 m=59 s=25
